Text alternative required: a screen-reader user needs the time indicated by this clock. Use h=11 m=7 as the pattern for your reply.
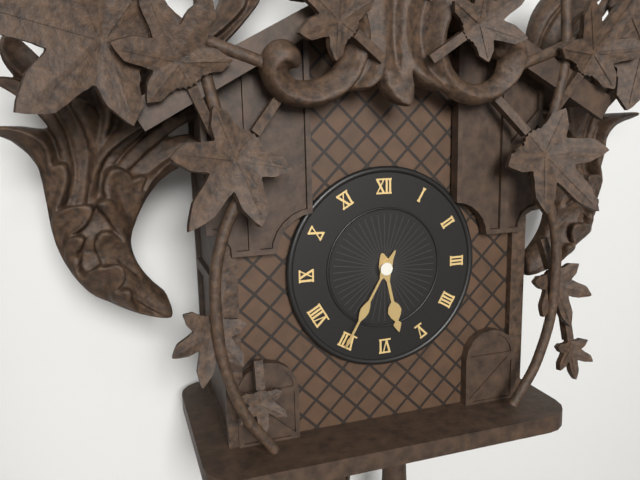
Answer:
h=5 m=35
